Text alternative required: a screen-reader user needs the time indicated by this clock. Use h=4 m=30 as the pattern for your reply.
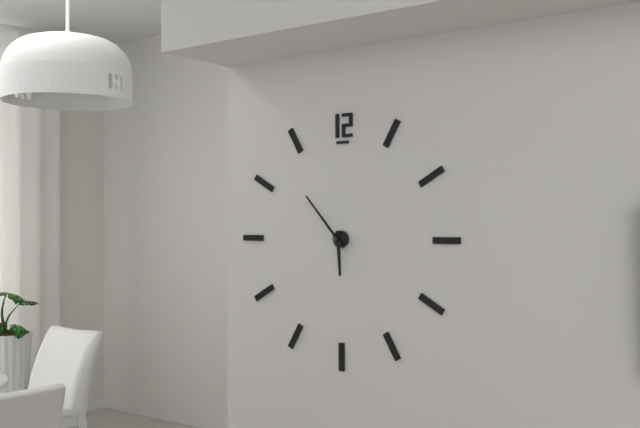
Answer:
h=5 m=53
